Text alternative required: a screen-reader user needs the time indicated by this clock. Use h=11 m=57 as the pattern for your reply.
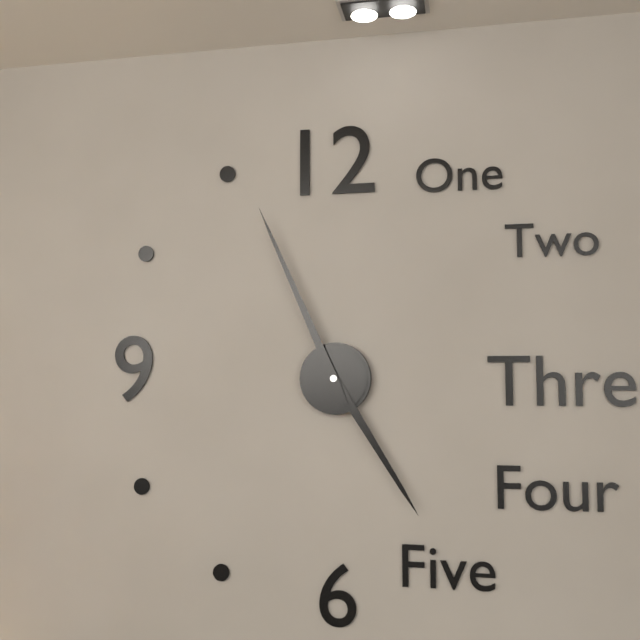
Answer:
h=4 m=56
